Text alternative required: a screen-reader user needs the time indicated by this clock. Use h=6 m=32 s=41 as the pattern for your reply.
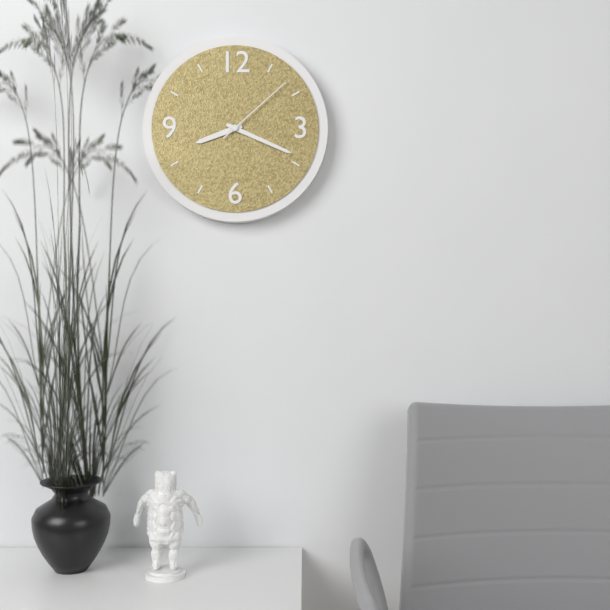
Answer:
h=8 m=19 s=8
